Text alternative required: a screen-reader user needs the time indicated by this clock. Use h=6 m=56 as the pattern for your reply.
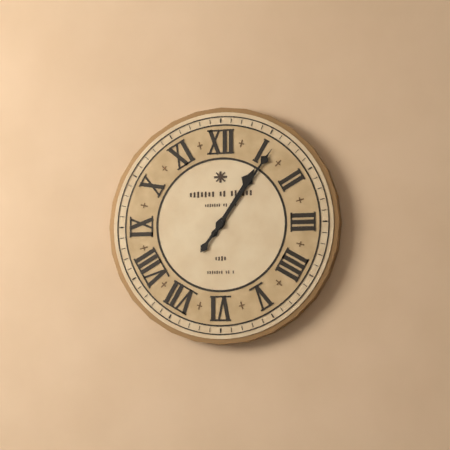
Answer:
h=1 m=6
